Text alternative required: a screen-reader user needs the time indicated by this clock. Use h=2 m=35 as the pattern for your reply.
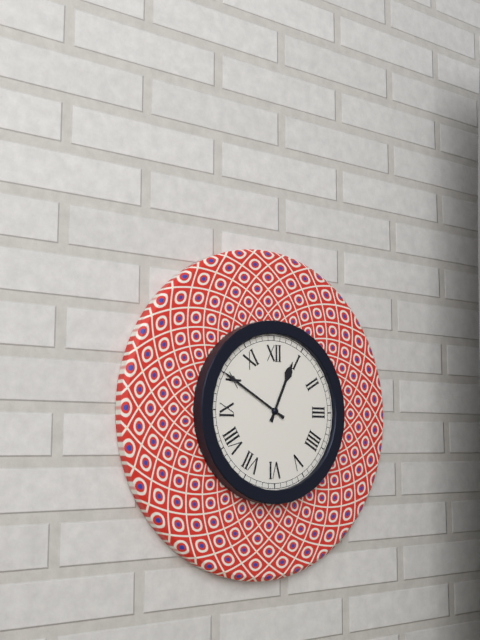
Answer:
h=12 m=50
